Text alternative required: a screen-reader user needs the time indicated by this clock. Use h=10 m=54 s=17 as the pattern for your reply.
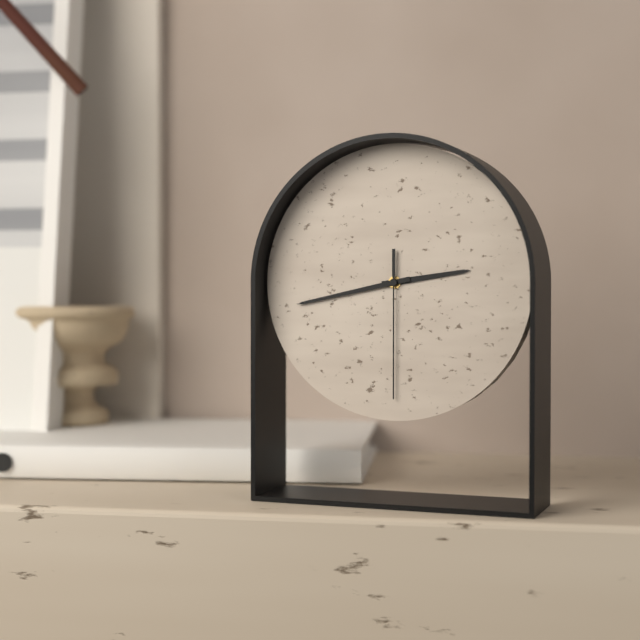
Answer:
h=2 m=43 s=30
